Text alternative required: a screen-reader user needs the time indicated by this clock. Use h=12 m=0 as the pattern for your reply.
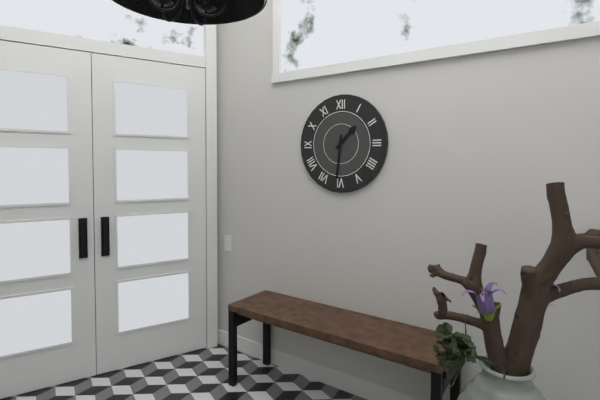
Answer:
h=1 m=31
